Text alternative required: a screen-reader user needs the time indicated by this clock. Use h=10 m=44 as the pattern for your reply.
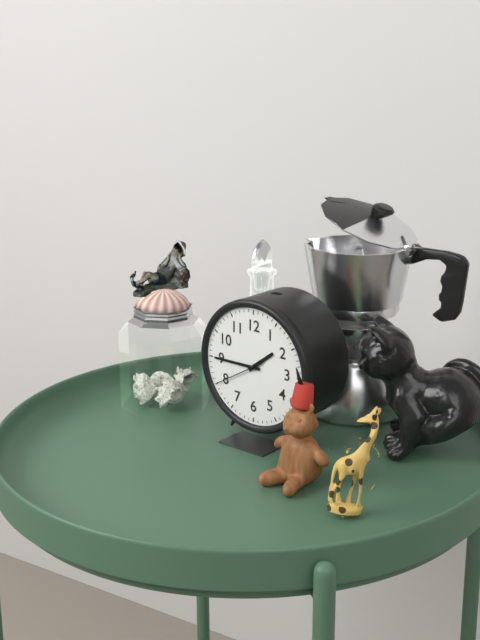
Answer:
h=1 m=45
